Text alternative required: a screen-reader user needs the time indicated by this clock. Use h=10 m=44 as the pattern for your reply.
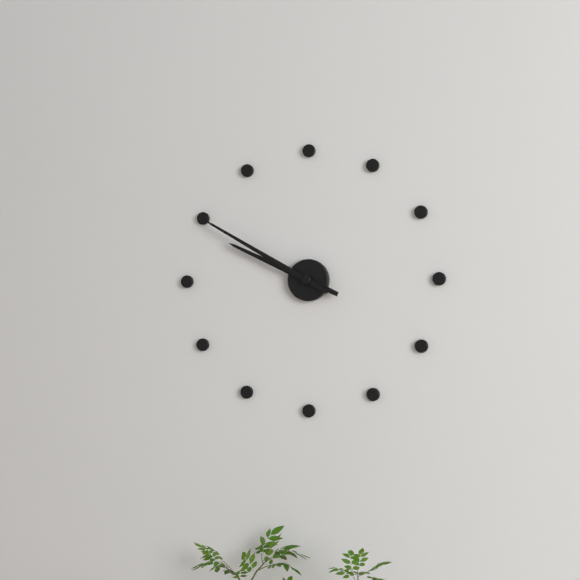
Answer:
h=9 m=50
